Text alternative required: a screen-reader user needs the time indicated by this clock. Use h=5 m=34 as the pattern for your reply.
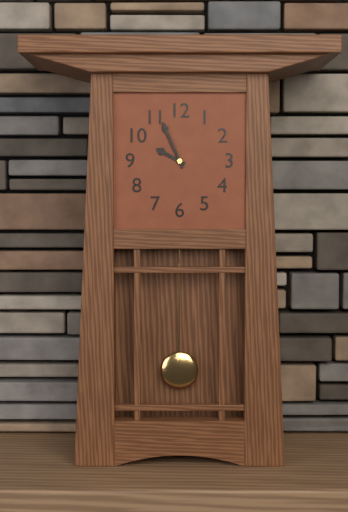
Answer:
h=9 m=56
